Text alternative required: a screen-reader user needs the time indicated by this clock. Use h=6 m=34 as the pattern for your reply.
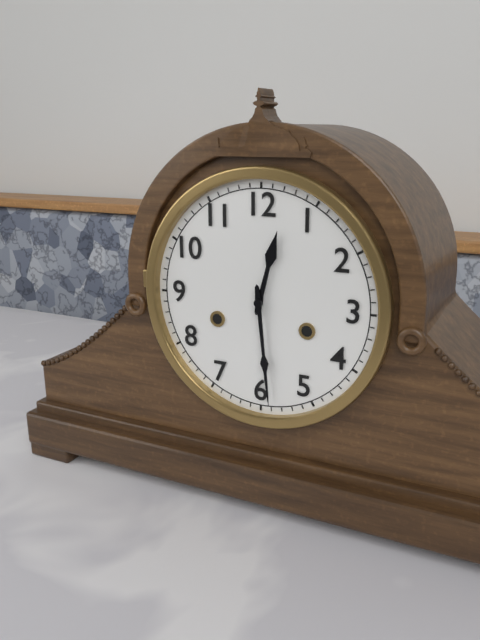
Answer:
h=12 m=29
